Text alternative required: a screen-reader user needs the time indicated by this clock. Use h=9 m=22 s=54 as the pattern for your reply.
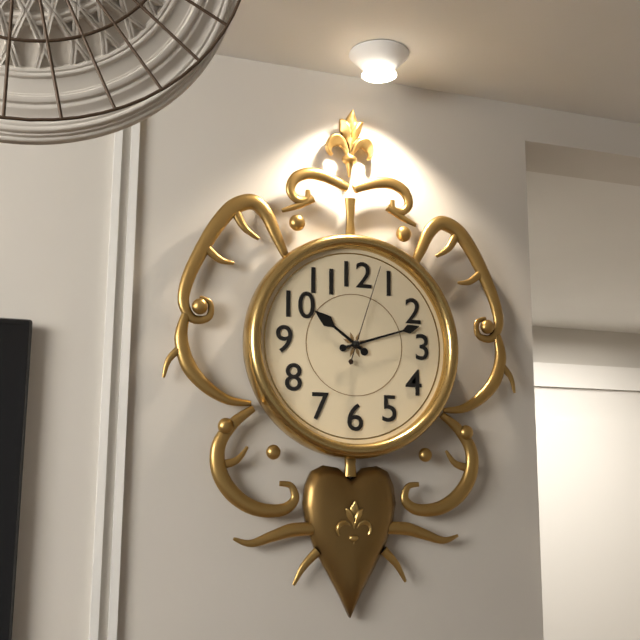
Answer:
h=10 m=12 s=3
